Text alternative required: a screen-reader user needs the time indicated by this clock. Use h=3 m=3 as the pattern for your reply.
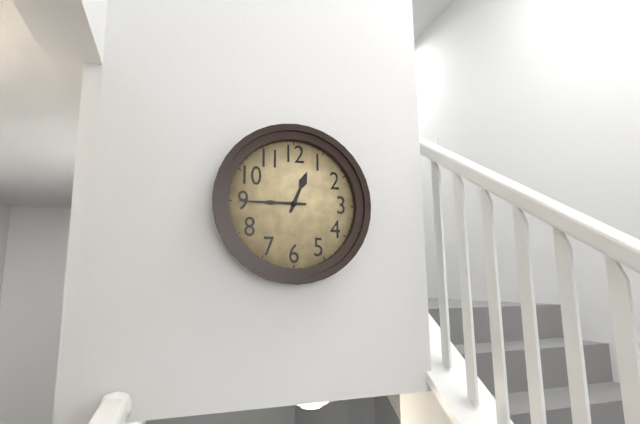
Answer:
h=12 m=45
